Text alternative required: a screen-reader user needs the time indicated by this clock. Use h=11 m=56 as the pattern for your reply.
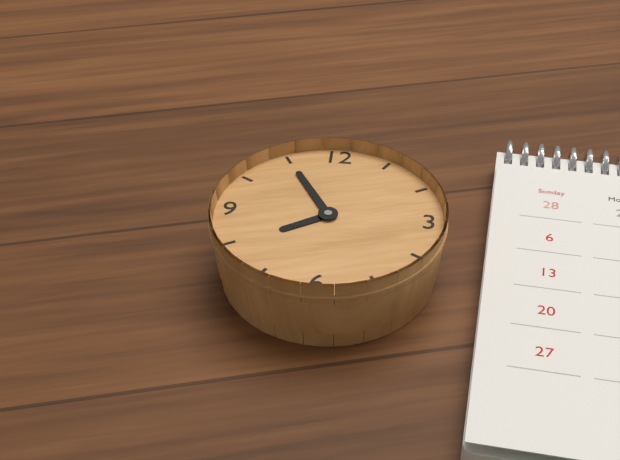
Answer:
h=7 m=55
